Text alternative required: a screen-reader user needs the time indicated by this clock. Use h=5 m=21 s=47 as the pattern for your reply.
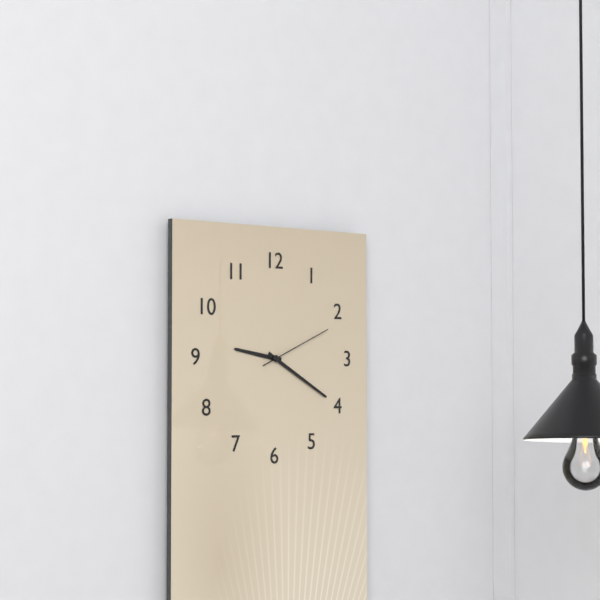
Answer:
h=9 m=20 s=11
